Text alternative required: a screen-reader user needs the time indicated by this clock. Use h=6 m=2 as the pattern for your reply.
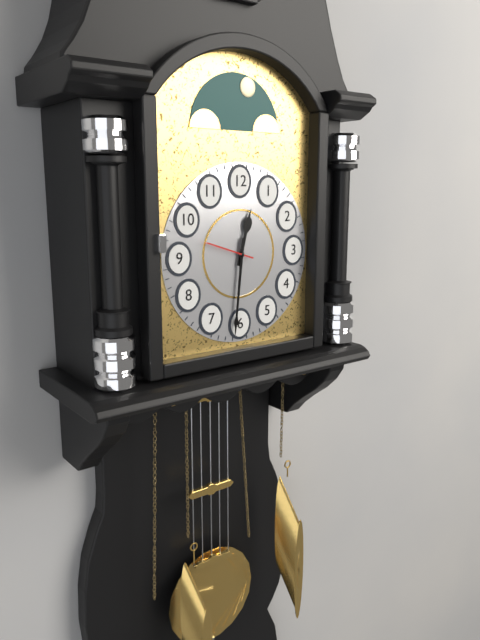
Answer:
h=12 m=31
